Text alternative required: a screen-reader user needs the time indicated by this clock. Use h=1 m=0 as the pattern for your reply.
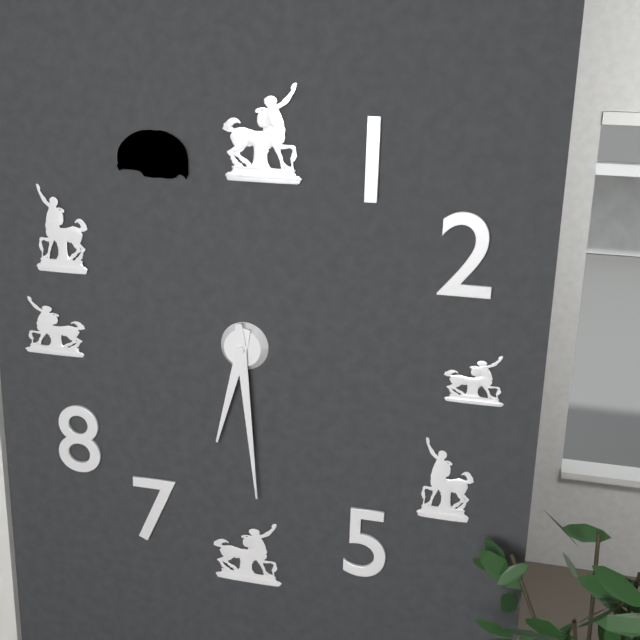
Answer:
h=6 m=29
